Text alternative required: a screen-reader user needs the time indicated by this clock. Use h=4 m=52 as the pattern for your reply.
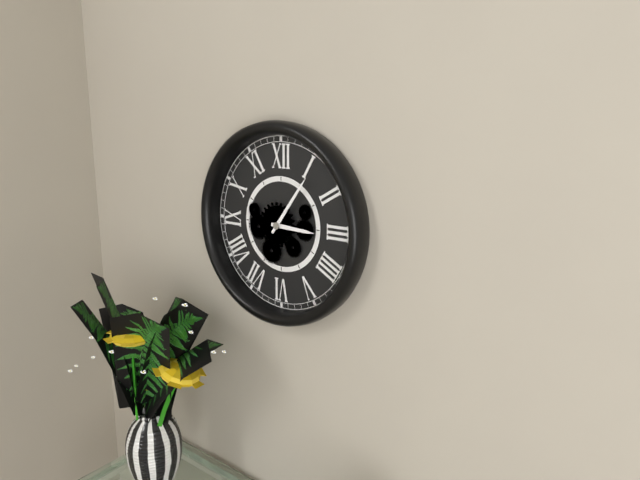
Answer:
h=3 m=6
